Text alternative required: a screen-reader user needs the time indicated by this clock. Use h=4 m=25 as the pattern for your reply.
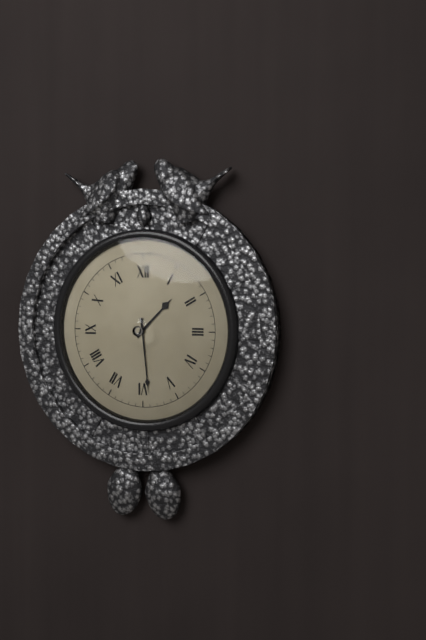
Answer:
h=1 m=29
